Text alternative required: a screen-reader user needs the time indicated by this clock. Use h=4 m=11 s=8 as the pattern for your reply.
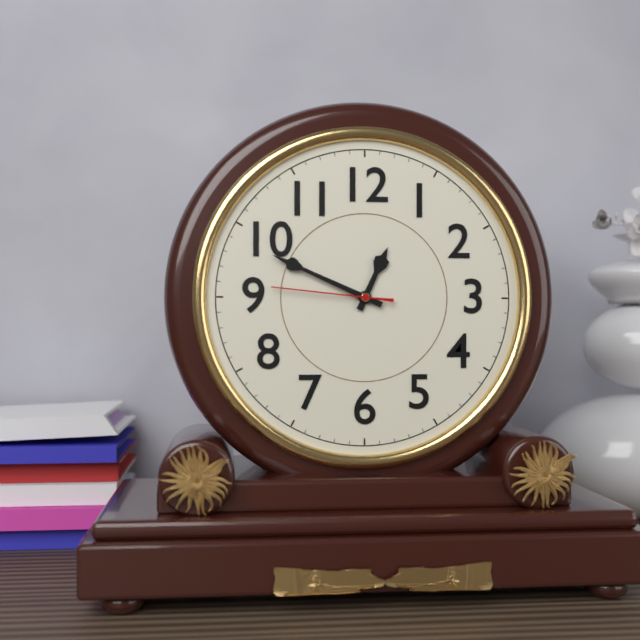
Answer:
h=12 m=49 s=46
